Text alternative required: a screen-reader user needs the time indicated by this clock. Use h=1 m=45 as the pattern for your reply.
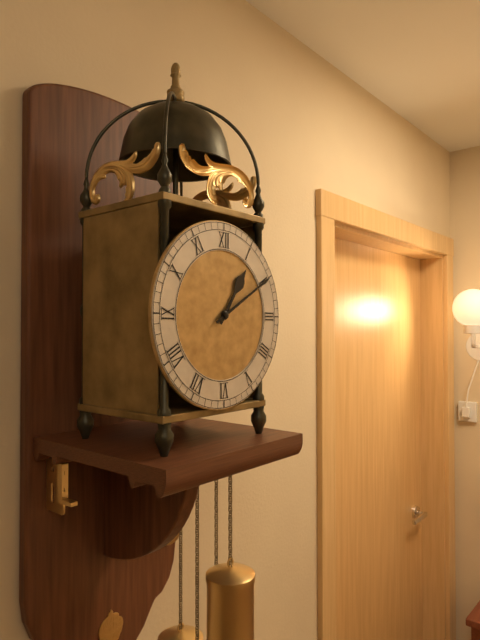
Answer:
h=1 m=10
